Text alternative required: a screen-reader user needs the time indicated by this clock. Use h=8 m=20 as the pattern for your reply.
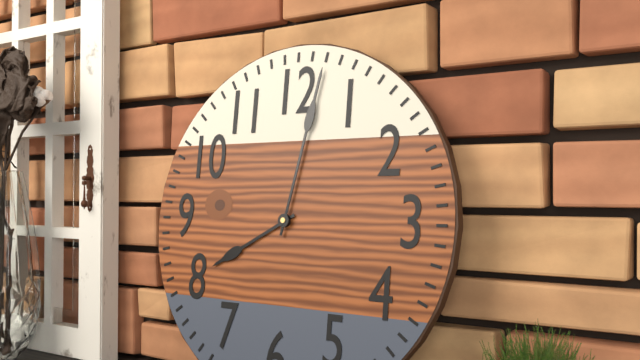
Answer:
h=8 m=2
